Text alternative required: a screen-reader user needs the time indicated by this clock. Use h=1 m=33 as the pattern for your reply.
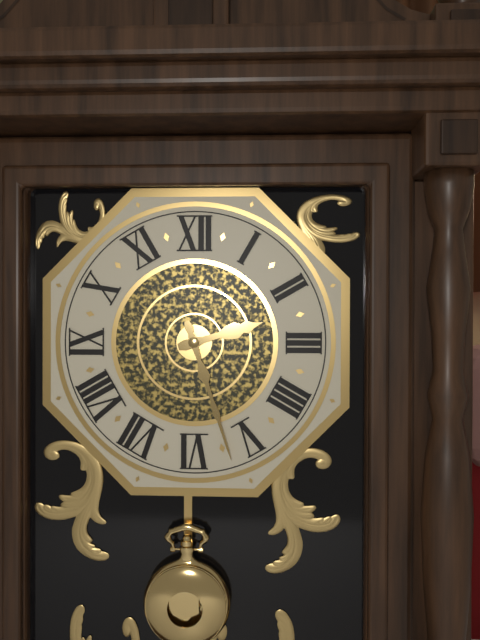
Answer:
h=2 m=27
